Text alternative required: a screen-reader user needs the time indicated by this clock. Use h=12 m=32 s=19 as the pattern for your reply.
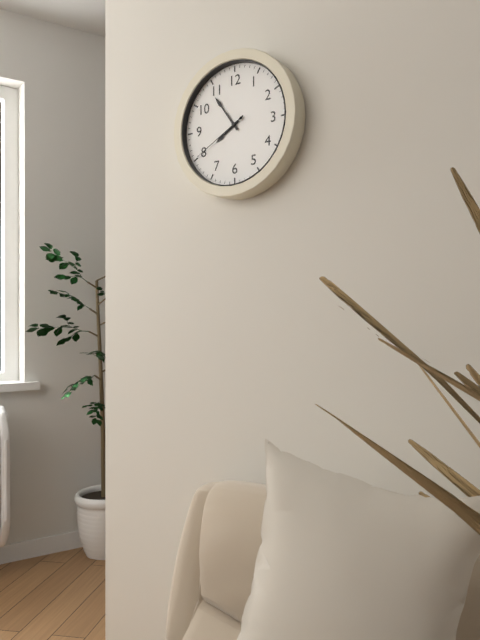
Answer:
h=7 m=54 s=40
